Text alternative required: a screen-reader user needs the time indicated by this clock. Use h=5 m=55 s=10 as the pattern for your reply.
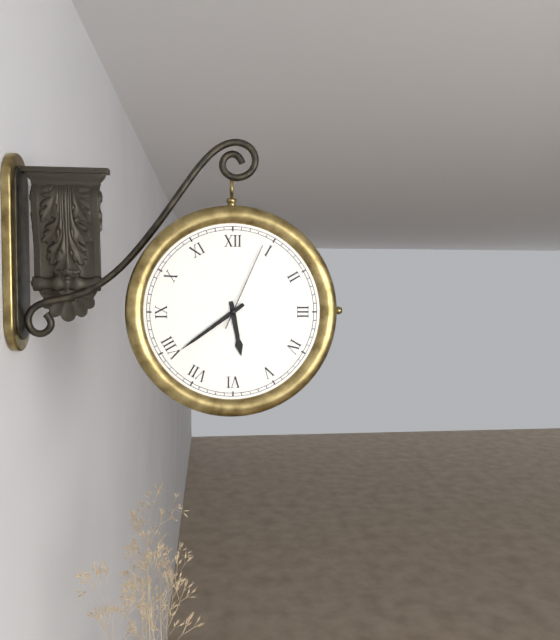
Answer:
h=5 m=39 s=4
